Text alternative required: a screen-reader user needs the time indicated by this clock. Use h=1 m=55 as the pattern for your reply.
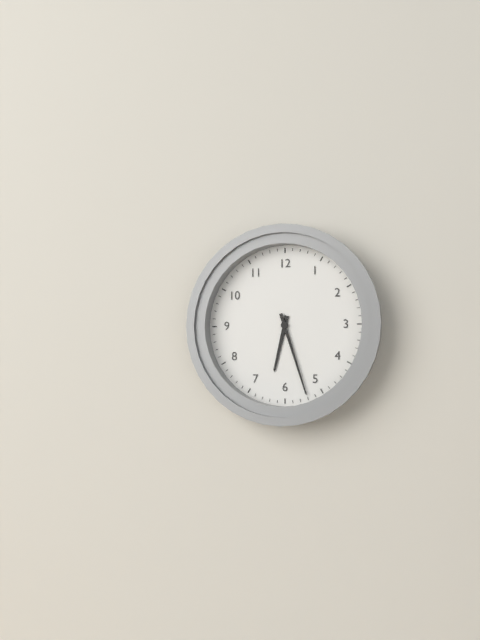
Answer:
h=6 m=27
